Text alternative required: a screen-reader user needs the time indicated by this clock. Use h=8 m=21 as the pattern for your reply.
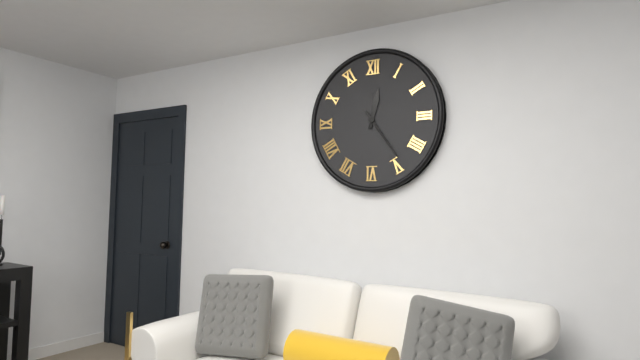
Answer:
h=12 m=24
